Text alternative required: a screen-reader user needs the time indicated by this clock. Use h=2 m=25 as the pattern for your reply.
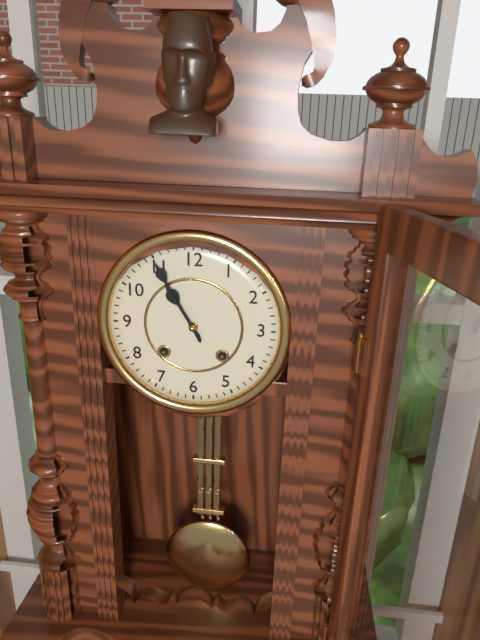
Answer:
h=10 m=55
